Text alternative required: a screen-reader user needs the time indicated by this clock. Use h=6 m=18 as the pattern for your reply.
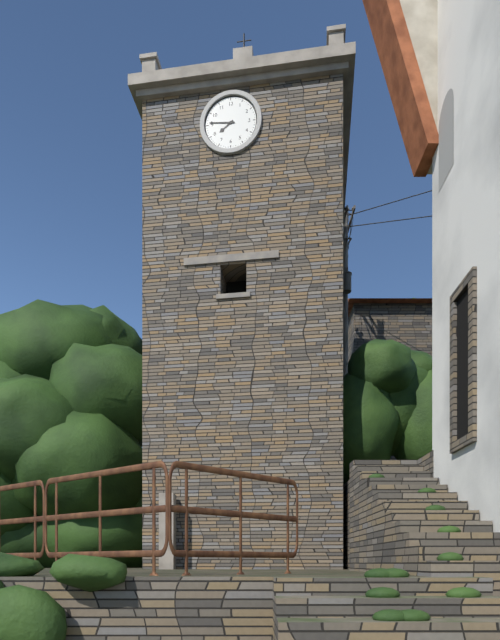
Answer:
h=7 m=46
